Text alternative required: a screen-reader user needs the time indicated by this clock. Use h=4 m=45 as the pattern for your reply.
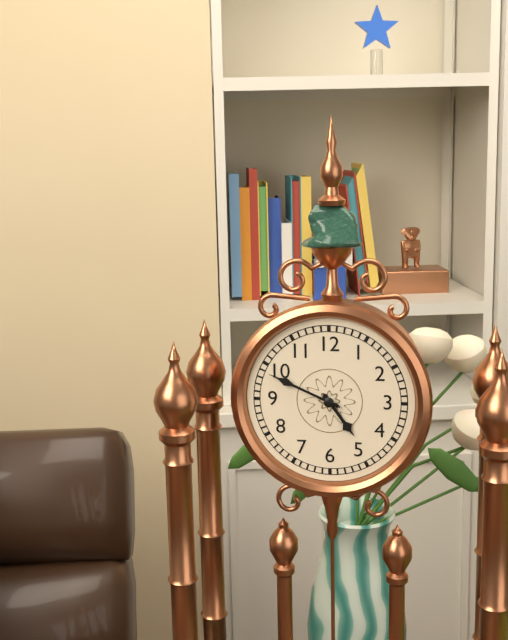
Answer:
h=4 m=49
